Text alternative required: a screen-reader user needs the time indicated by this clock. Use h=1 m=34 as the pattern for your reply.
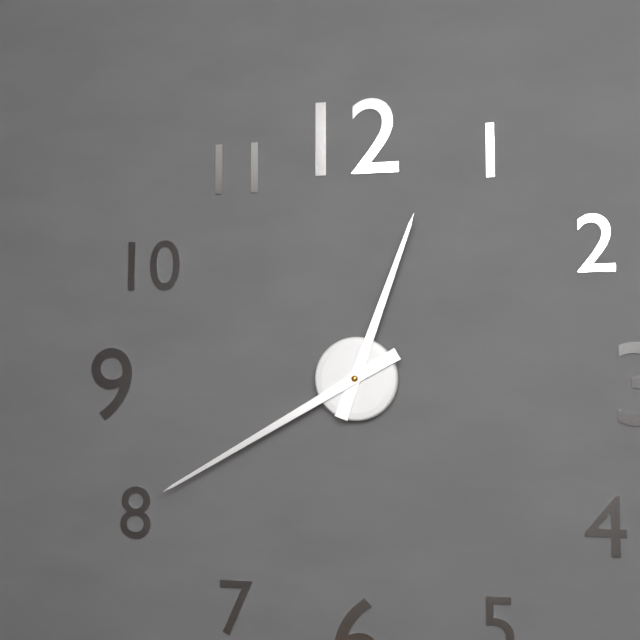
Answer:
h=12 m=40
